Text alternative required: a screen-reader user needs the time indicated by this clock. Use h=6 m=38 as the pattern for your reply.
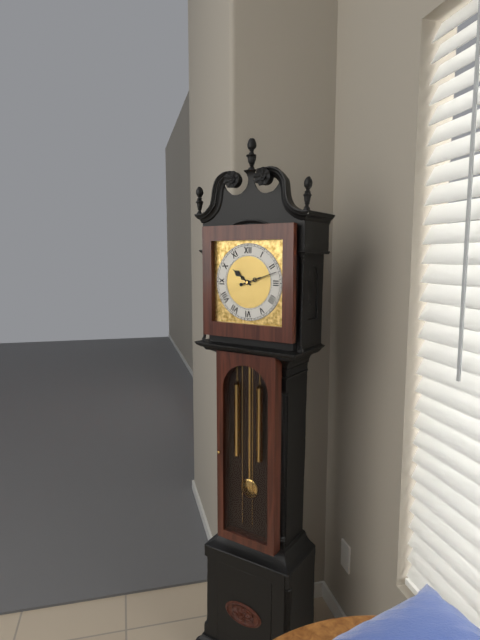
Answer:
h=10 m=12
